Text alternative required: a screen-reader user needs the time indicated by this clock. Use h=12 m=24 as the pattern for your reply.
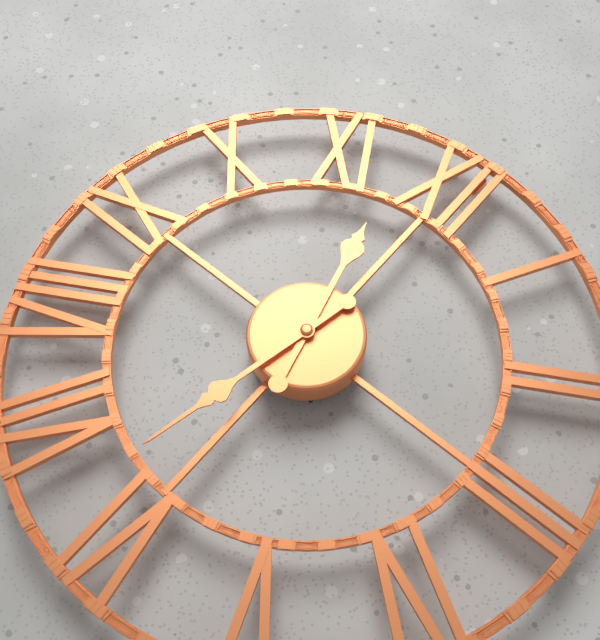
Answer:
h=11 m=32
